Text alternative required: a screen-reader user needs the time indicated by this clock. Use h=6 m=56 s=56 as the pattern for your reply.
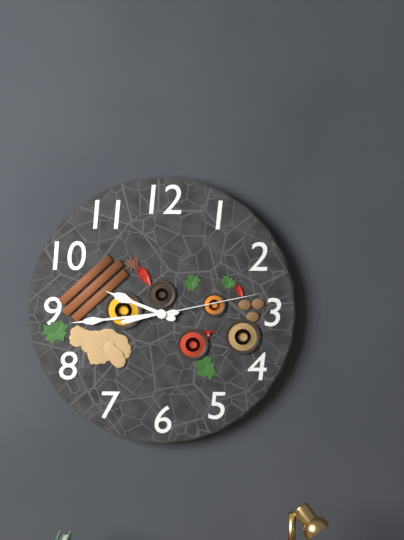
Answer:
h=9 m=44 s=13
